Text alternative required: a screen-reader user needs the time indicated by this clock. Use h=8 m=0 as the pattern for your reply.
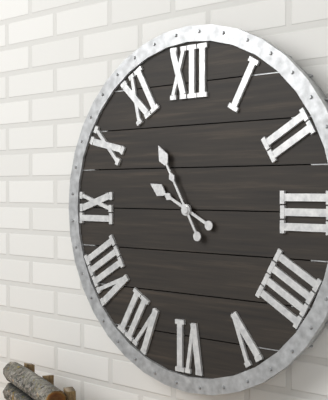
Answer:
h=9 m=55
